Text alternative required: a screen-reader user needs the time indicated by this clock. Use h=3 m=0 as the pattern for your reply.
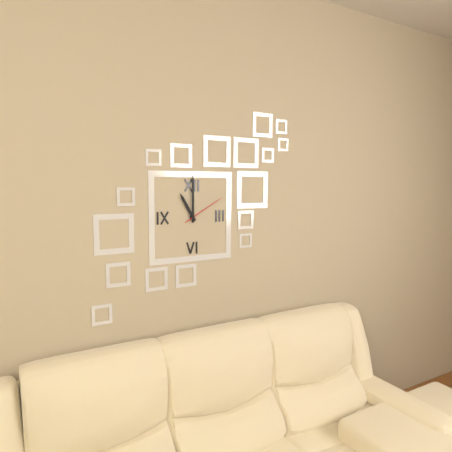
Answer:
h=11 m=0
